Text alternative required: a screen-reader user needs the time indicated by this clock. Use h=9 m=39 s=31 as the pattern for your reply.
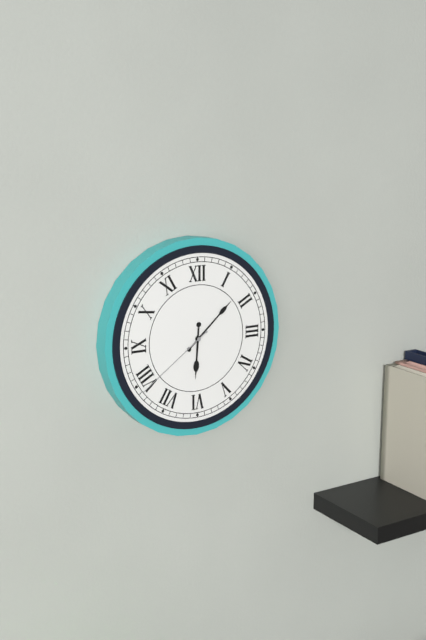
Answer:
h=6 m=8 s=39
